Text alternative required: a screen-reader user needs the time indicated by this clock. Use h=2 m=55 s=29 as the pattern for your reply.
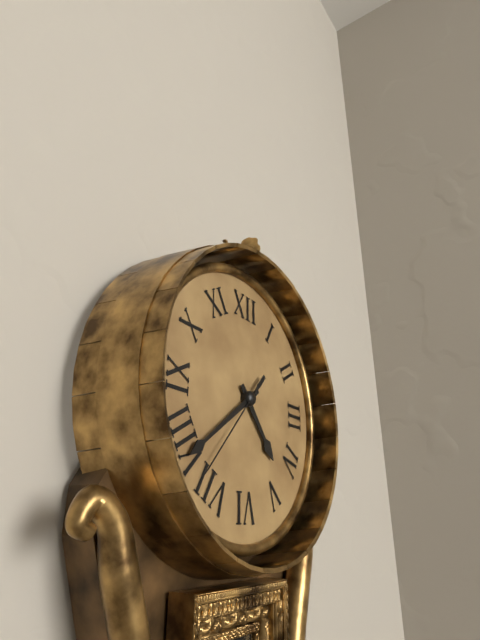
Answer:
h=4 m=39 s=37
